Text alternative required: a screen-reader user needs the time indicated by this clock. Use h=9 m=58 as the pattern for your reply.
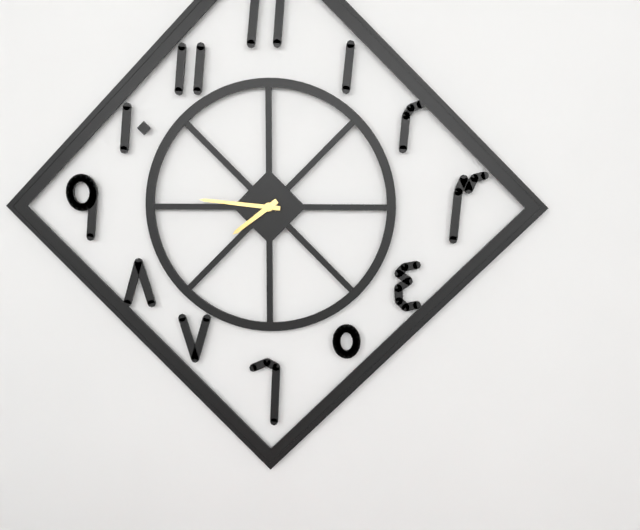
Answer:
h=7 m=46
